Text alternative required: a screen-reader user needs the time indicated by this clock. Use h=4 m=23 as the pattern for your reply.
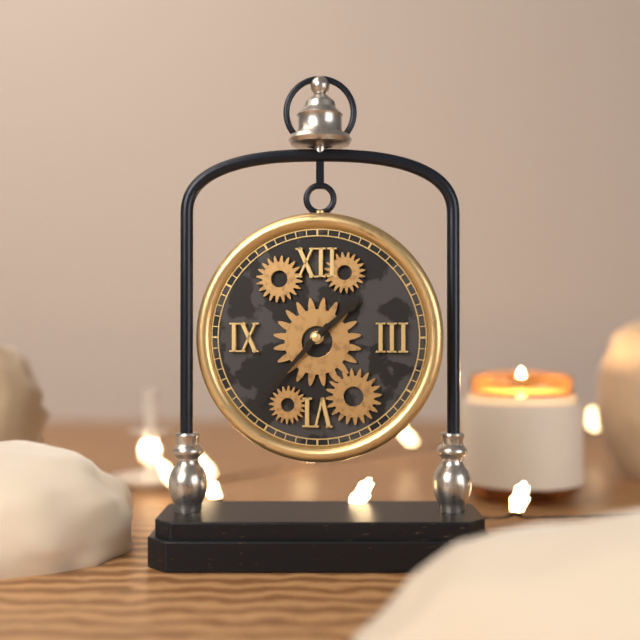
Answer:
h=1 m=37
